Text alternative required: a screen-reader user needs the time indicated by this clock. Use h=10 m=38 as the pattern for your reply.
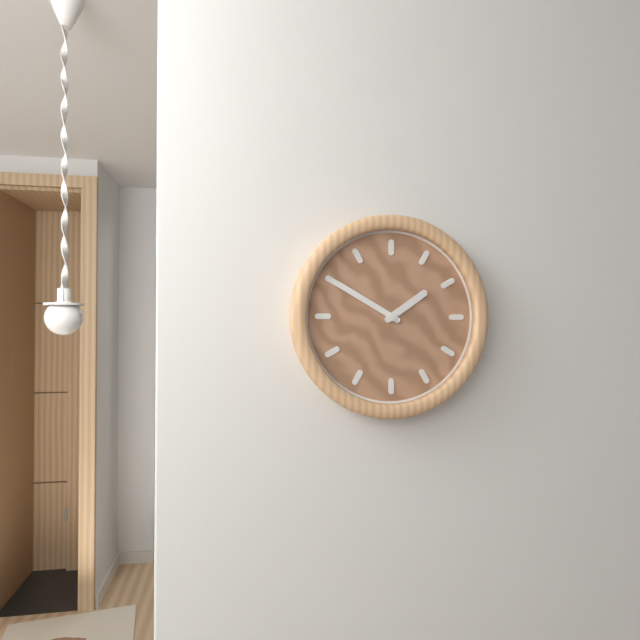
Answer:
h=1 m=50
